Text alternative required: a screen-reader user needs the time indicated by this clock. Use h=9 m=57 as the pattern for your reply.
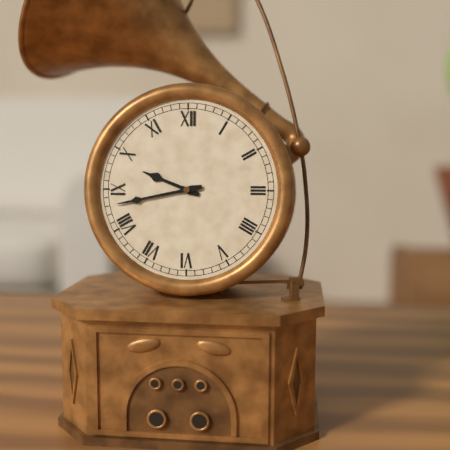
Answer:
h=9 m=43
